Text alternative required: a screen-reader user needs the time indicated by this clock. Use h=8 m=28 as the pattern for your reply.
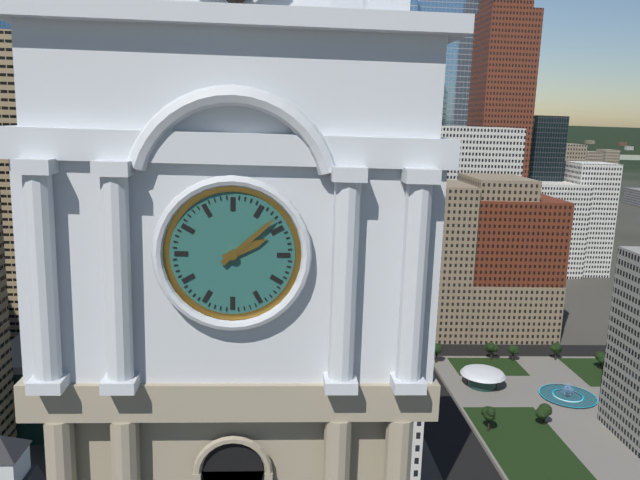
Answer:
h=2 m=8
